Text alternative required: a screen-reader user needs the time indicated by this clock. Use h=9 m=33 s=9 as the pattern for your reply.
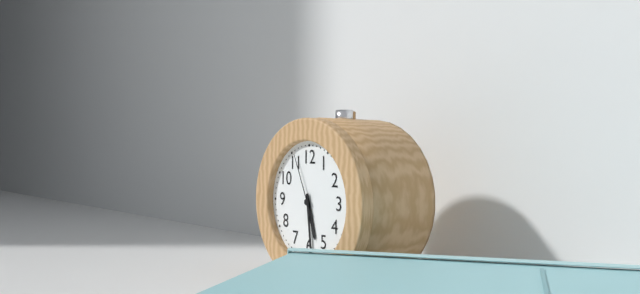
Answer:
h=5 m=29 s=56
